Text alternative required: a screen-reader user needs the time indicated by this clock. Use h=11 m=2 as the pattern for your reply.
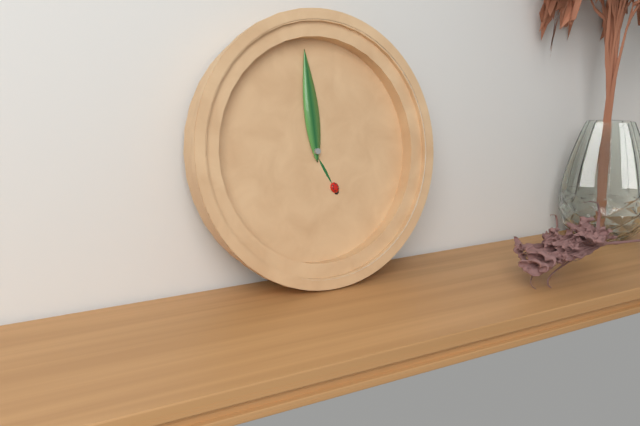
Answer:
h=4 m=59
